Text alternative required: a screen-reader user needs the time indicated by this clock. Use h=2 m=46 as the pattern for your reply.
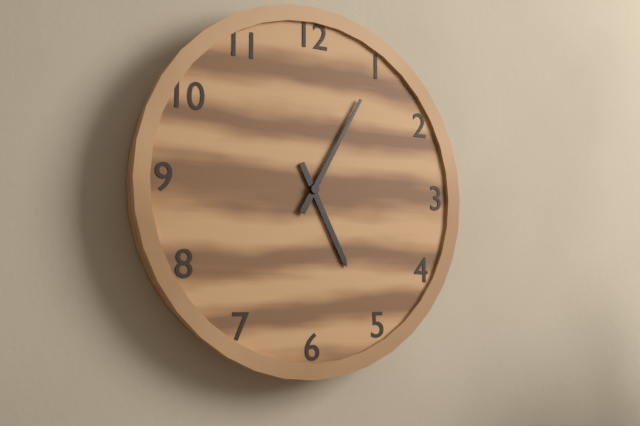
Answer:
h=5 m=5
